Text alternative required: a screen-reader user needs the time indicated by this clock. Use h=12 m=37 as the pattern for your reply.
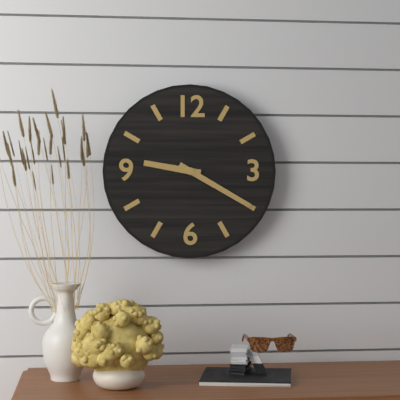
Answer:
h=9 m=20
